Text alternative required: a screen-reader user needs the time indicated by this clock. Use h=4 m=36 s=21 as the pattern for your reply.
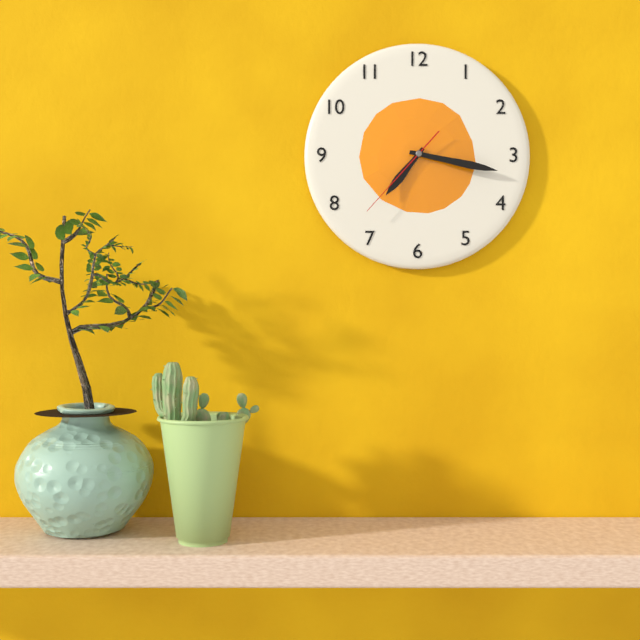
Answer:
h=7 m=17 s=37
